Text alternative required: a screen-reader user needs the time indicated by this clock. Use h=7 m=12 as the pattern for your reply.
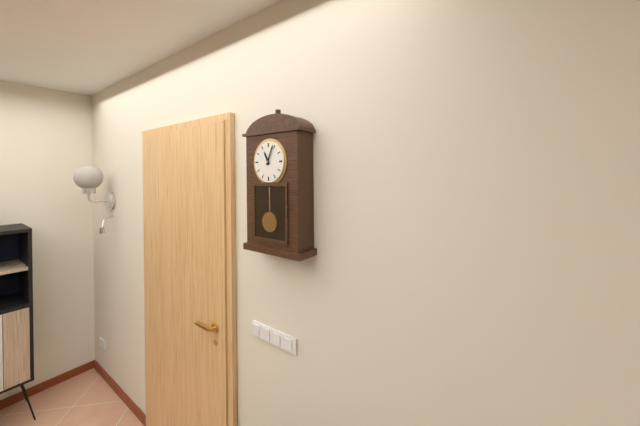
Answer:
h=11 m=4
